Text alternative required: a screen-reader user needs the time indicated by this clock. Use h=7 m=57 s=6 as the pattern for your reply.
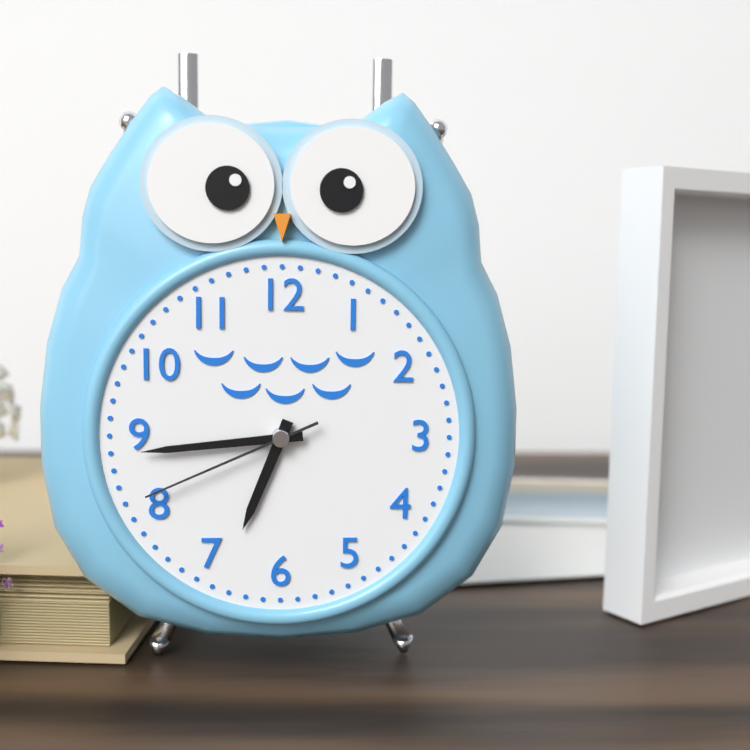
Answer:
h=6 m=44 s=41
